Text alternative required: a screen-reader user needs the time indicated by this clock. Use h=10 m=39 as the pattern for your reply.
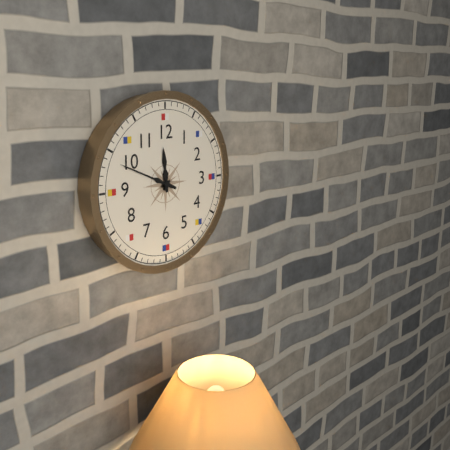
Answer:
h=11 m=49
